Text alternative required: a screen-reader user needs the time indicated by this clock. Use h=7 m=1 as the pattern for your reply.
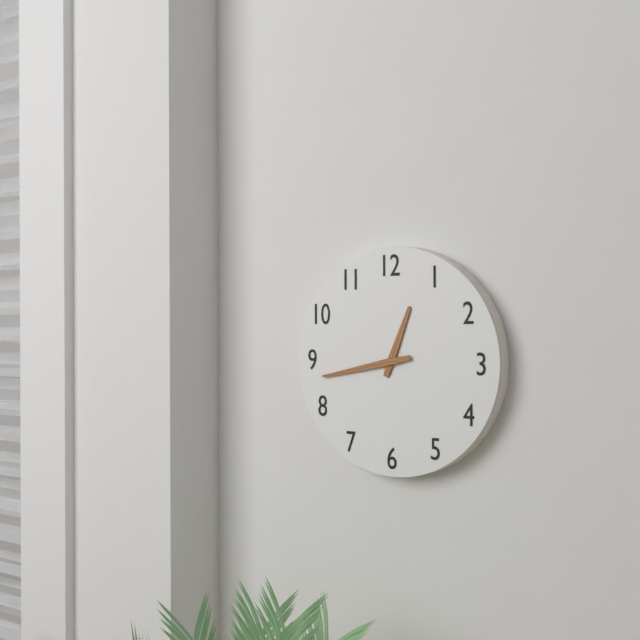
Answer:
h=12 m=43
